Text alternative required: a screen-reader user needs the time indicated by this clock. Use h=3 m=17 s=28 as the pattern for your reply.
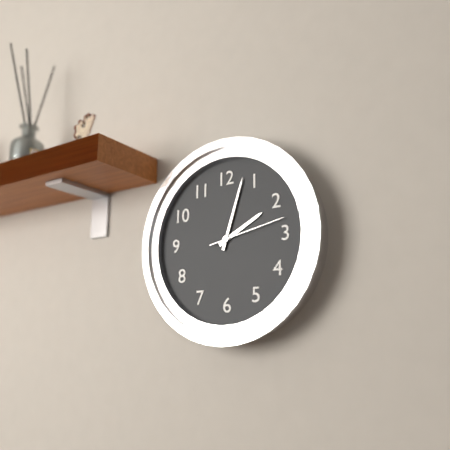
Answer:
h=2 m=3 s=13
